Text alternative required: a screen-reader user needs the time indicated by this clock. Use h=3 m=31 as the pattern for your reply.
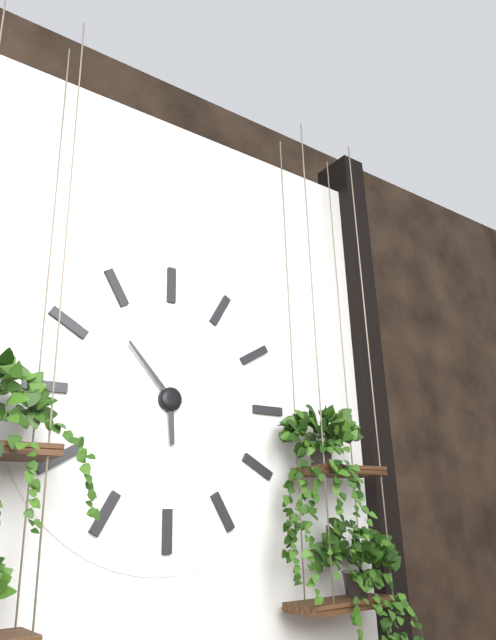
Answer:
h=5 m=53
